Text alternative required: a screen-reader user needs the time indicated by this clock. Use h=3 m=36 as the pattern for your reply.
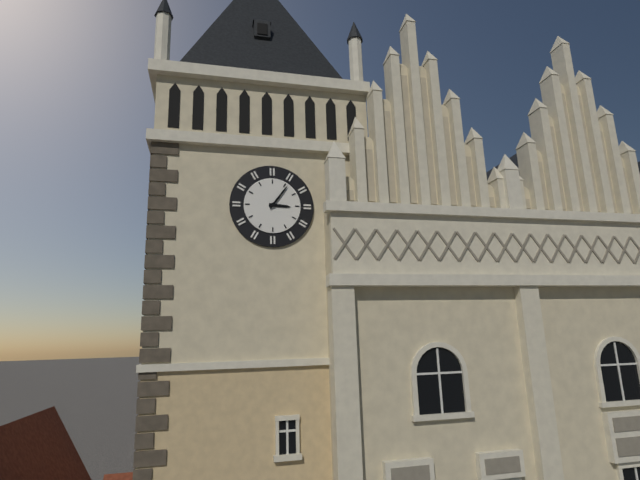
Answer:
h=3 m=6
